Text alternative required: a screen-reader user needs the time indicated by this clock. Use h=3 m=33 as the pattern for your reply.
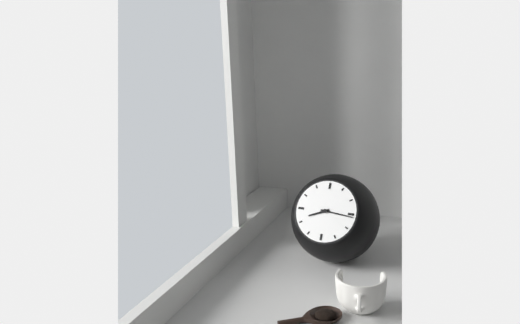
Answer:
h=8 m=16
